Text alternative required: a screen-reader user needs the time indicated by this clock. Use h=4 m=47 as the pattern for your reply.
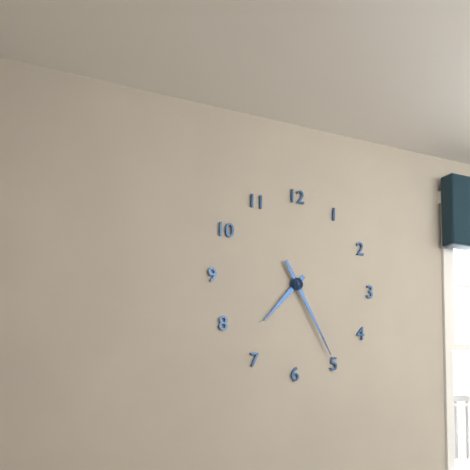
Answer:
h=7 m=25
